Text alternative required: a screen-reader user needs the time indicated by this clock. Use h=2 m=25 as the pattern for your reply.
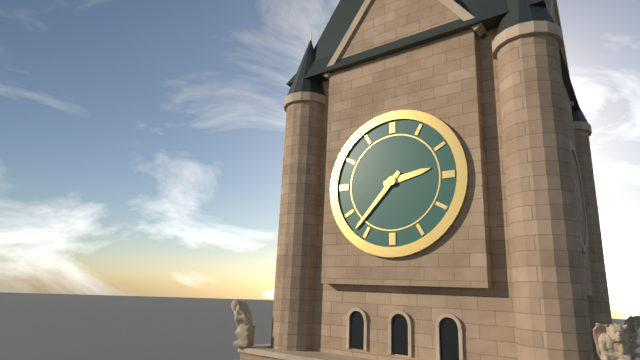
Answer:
h=2 m=37
